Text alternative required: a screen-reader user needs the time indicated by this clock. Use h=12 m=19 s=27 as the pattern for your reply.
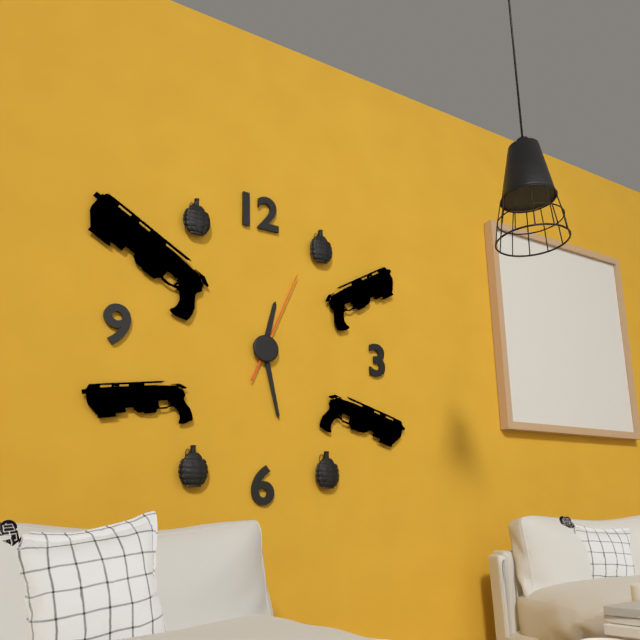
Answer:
h=12 m=28 s=4
